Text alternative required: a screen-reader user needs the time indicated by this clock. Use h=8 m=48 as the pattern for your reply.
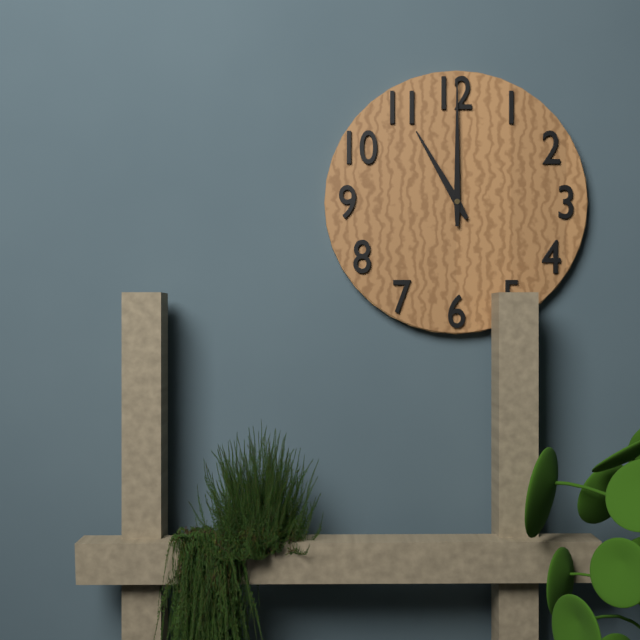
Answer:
h=11 m=0
